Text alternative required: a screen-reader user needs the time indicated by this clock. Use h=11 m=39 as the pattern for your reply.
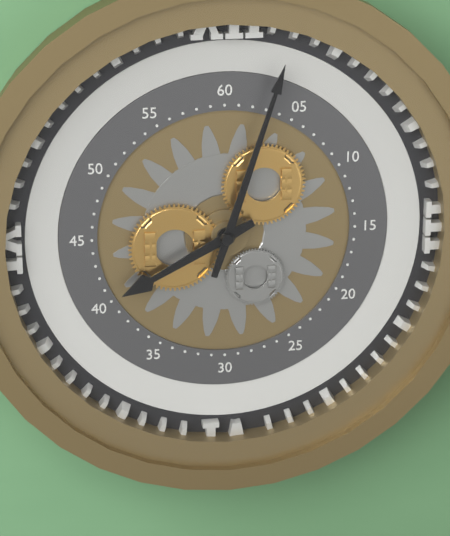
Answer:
h=8 m=3
